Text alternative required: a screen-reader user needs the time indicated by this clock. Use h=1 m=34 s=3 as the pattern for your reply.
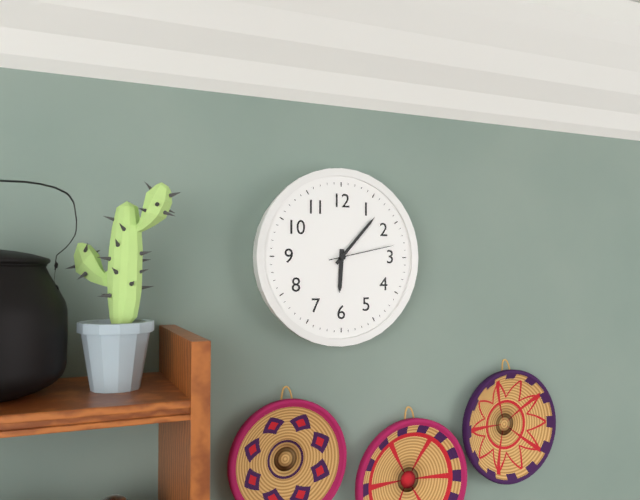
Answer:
h=6 m=7 s=13
